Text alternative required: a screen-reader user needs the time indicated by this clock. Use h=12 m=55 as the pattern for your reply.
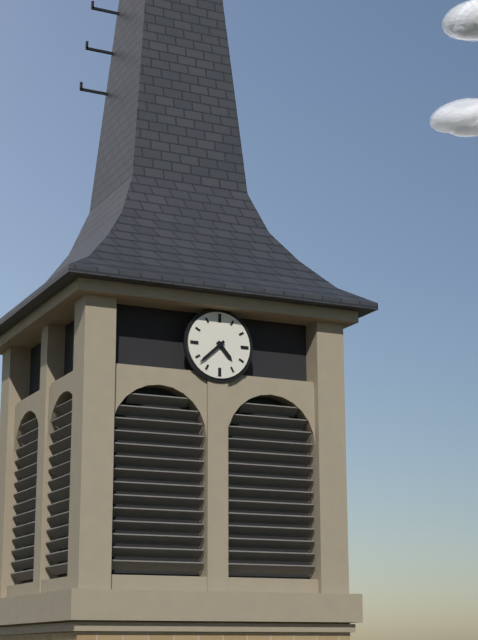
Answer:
h=4 m=38
